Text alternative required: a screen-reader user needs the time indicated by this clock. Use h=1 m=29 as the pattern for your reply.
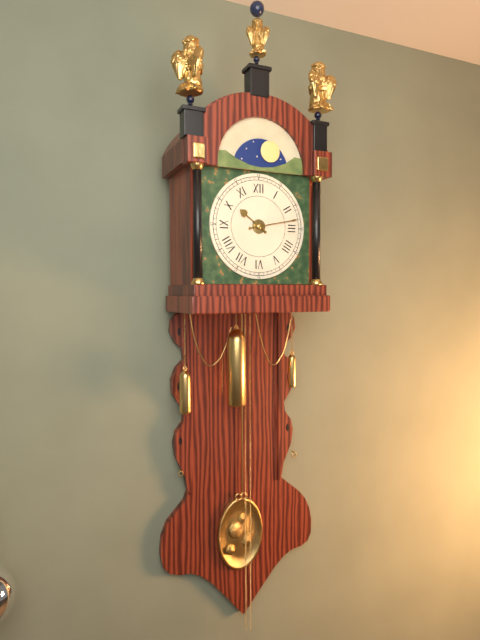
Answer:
h=10 m=13
